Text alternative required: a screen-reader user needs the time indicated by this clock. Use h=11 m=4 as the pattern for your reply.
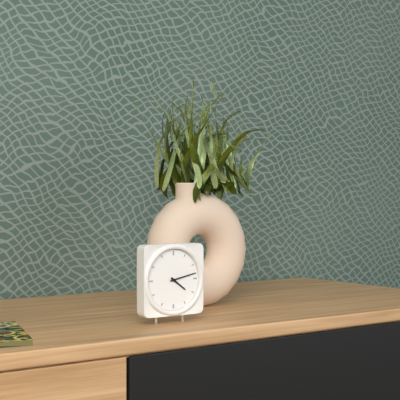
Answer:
h=4 m=13
